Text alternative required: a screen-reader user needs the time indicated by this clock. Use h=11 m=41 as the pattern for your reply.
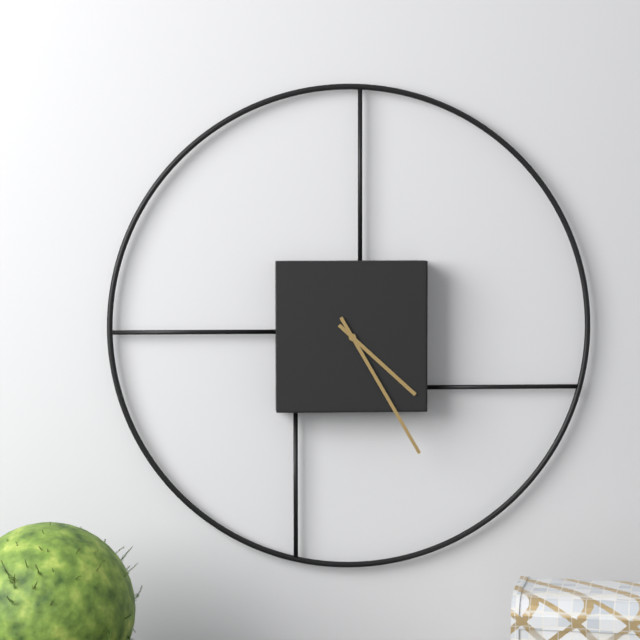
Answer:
h=4 m=25
